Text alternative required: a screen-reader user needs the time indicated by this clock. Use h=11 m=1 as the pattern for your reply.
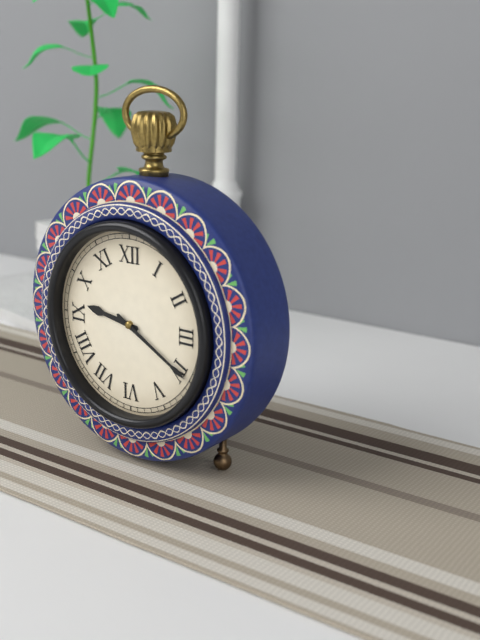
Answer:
h=9 m=20
